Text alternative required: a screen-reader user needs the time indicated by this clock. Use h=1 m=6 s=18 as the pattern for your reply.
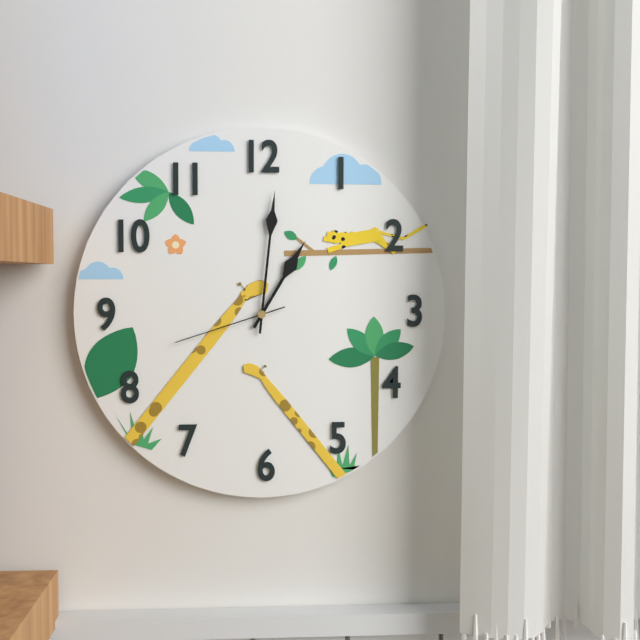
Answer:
h=1 m=1 s=42
